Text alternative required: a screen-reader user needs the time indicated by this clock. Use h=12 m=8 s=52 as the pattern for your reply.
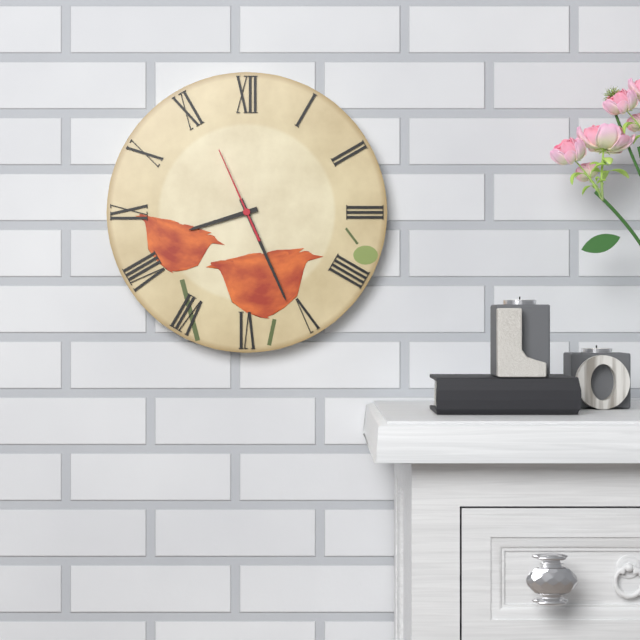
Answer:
h=8 m=26 s=56
